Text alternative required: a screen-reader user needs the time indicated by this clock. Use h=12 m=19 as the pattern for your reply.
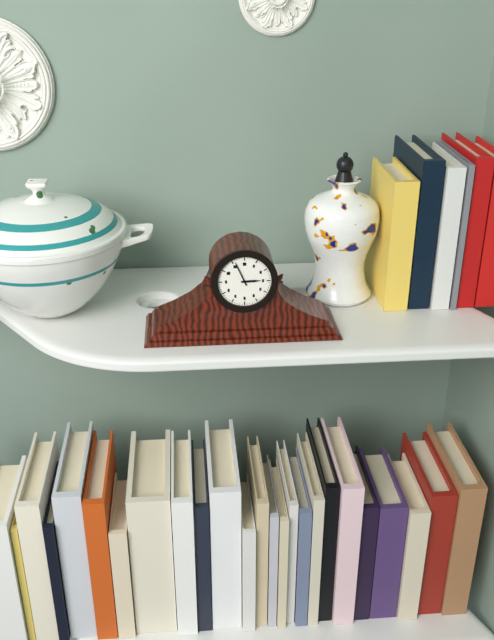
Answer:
h=2 m=56
